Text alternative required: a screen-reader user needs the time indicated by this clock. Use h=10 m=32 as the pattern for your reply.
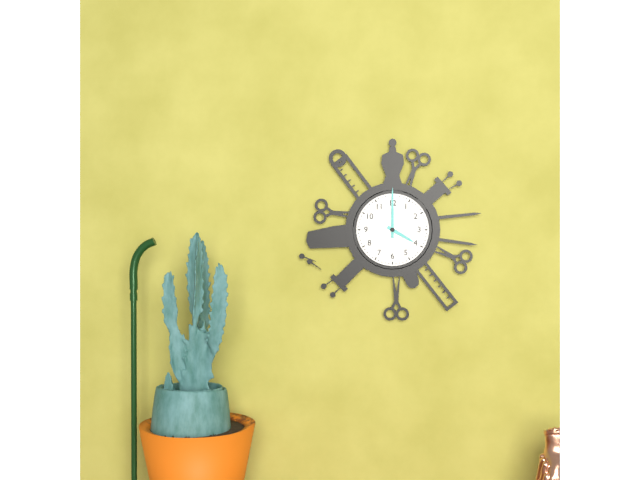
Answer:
h=4 m=0
